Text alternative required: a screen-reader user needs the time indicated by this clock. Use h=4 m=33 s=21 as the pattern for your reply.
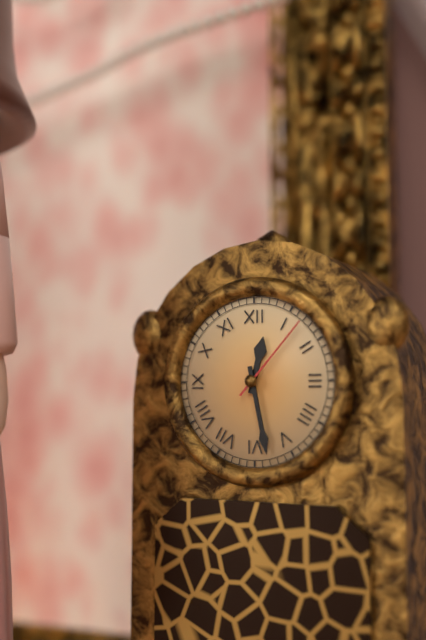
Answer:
h=12 m=28 s=7
